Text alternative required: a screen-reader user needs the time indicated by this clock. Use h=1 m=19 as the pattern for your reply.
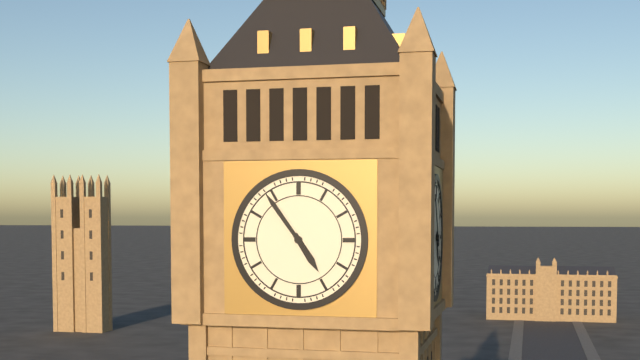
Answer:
h=4 m=54
